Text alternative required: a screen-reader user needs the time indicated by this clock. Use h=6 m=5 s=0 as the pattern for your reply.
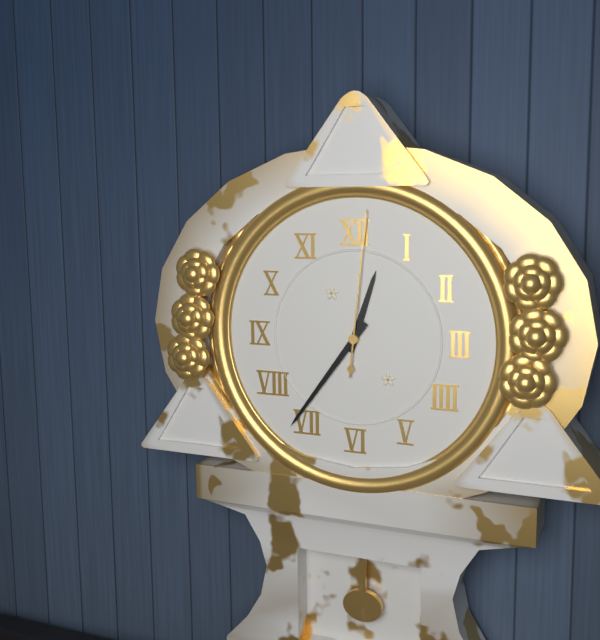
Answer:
h=12 m=36 s=1
